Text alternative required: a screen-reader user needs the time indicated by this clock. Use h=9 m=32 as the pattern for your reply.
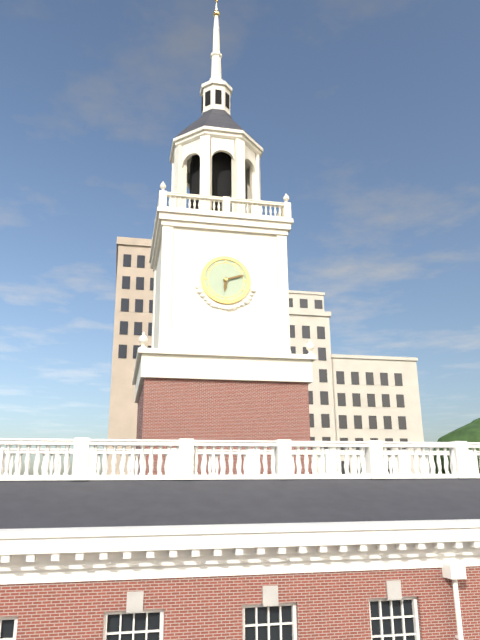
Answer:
h=6 m=12
